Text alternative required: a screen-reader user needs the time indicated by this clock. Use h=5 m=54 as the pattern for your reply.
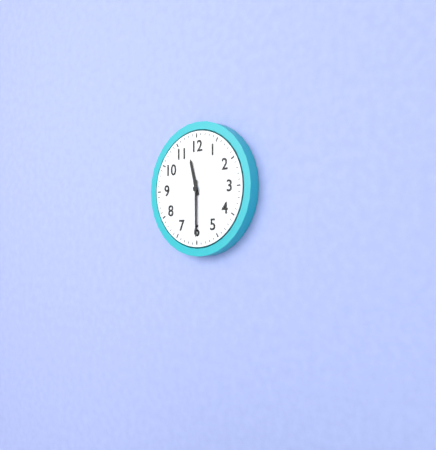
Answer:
h=11 m=30
